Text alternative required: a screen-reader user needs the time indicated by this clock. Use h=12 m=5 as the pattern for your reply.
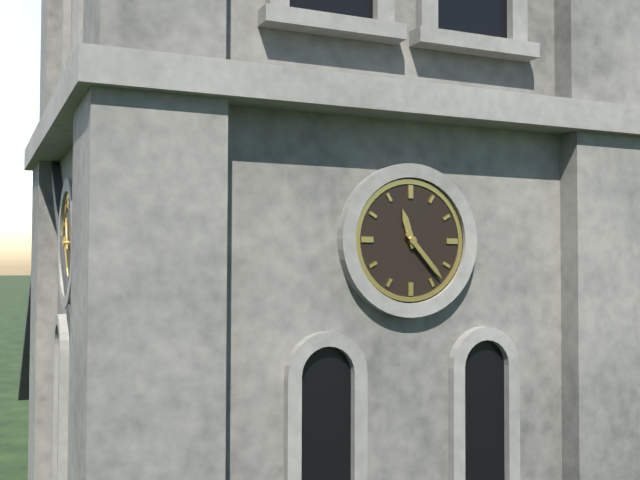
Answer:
h=11 m=23
